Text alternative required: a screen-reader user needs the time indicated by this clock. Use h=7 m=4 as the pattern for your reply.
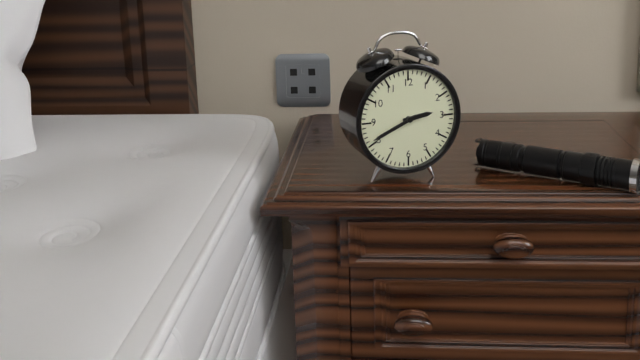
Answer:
h=2 m=41
